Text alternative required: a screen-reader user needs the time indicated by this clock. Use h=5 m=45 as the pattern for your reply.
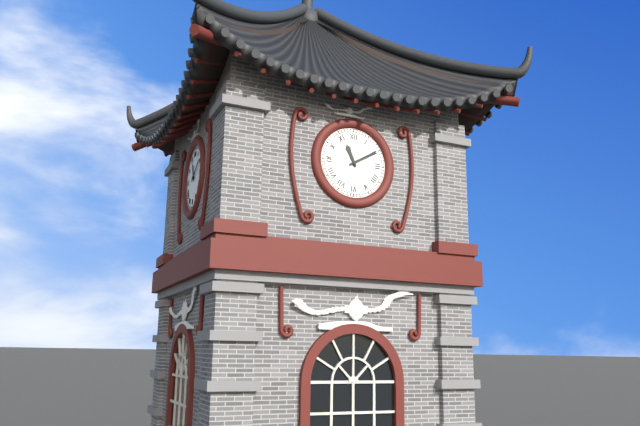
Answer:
h=11 m=10
